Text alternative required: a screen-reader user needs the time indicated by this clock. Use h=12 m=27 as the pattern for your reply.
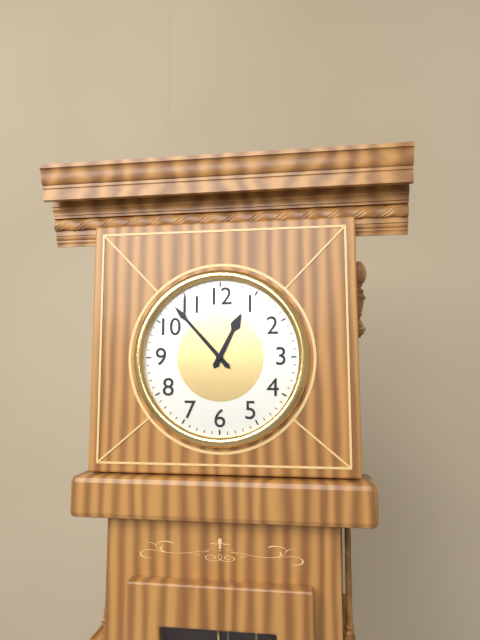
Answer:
h=12 m=53
